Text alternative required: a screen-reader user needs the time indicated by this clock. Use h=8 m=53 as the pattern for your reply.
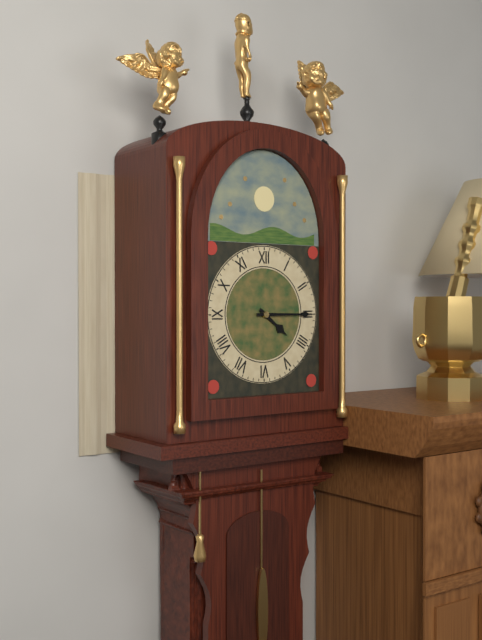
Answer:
h=4 m=15
